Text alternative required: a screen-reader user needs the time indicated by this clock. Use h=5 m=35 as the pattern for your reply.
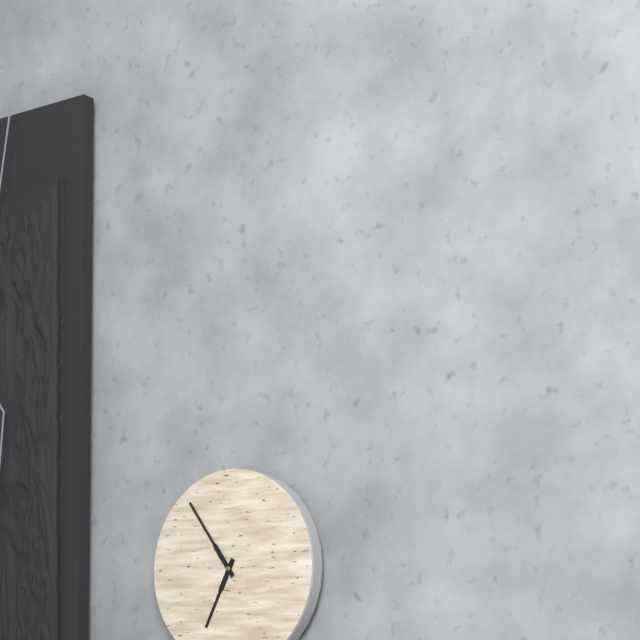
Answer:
h=6 m=54
